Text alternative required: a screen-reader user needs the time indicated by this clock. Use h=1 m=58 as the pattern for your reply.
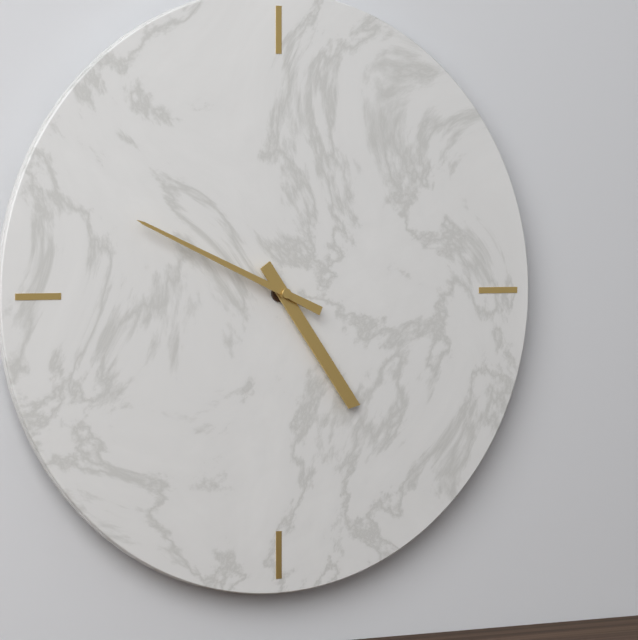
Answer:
h=4 m=49
